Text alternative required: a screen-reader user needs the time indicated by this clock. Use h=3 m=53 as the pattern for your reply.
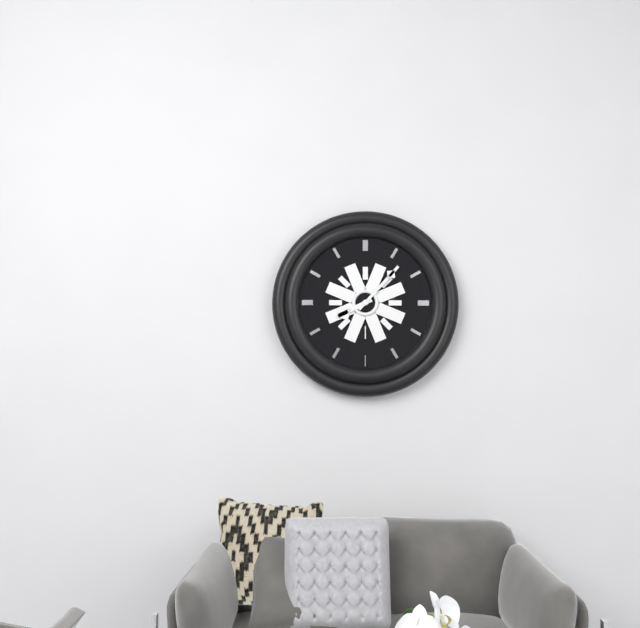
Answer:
h=8 m=7
